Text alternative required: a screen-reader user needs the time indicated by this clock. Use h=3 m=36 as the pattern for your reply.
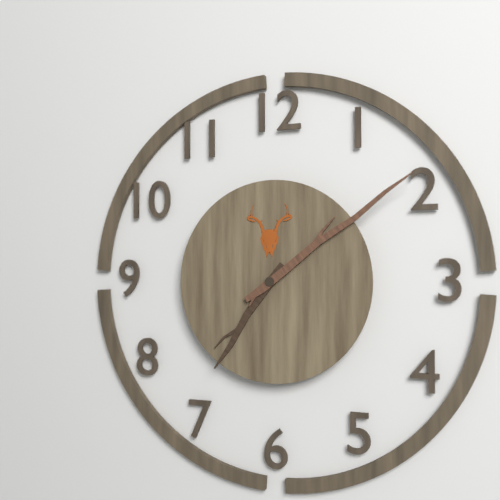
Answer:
h=7 m=9
